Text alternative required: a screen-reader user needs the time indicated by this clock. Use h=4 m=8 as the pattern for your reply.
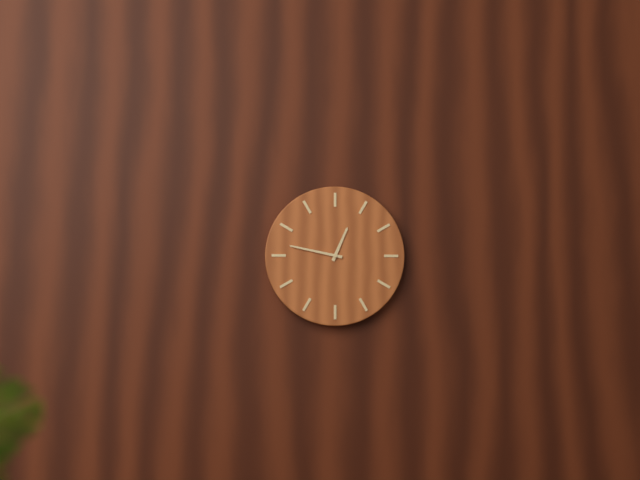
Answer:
h=12 m=47
